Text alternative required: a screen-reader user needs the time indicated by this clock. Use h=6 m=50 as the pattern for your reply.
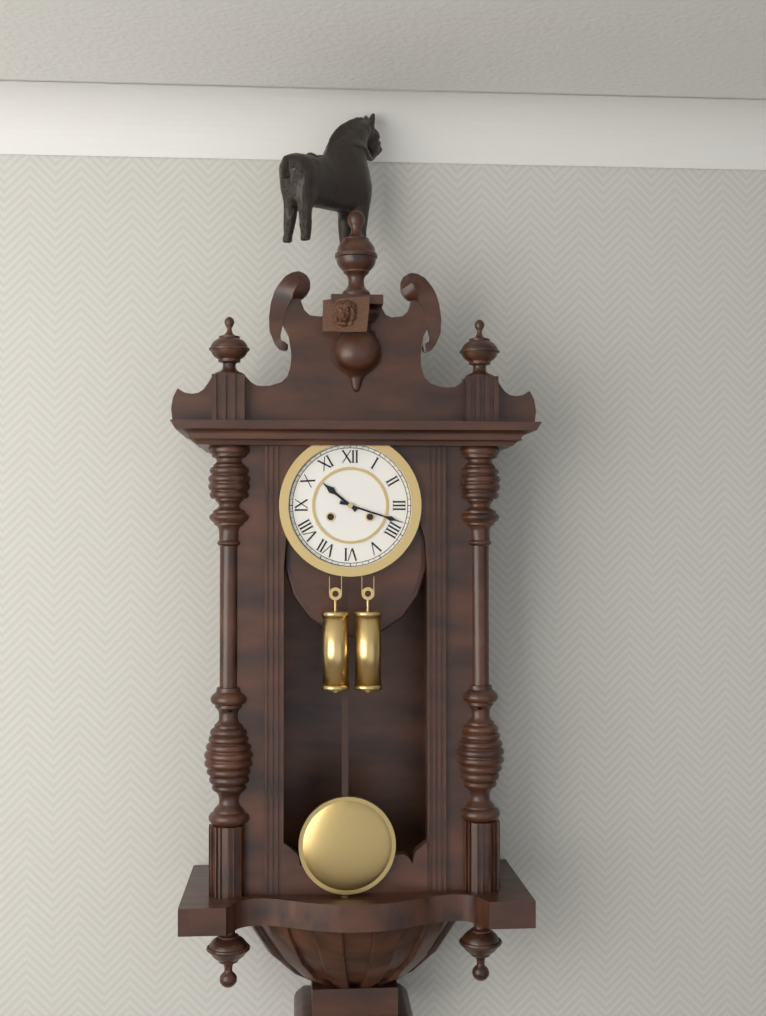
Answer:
h=10 m=18
